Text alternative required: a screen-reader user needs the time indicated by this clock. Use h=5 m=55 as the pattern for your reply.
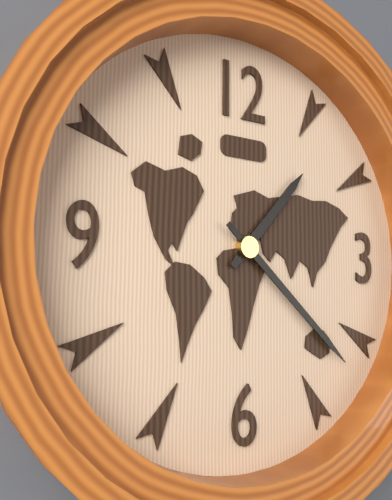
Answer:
h=1 m=22
